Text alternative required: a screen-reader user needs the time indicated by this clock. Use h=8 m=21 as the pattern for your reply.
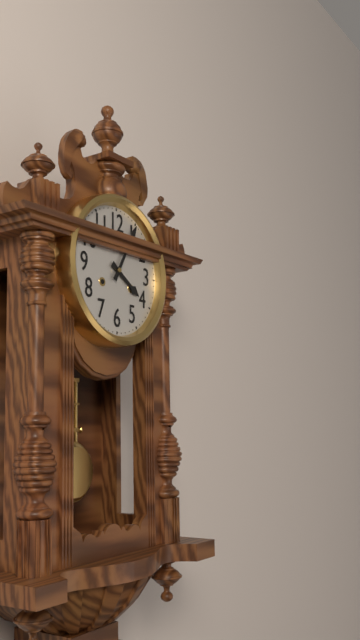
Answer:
h=4 m=5
